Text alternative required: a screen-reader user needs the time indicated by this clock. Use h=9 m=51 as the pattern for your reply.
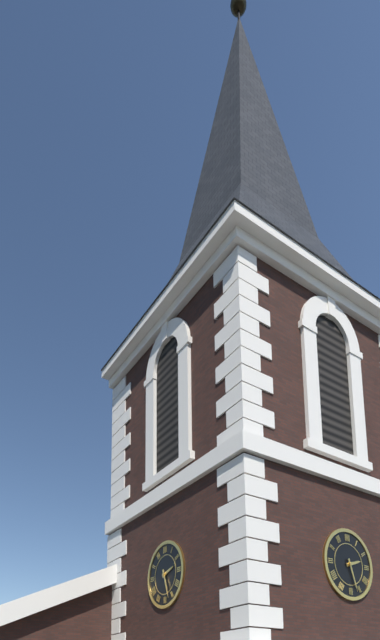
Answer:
h=2 m=27
